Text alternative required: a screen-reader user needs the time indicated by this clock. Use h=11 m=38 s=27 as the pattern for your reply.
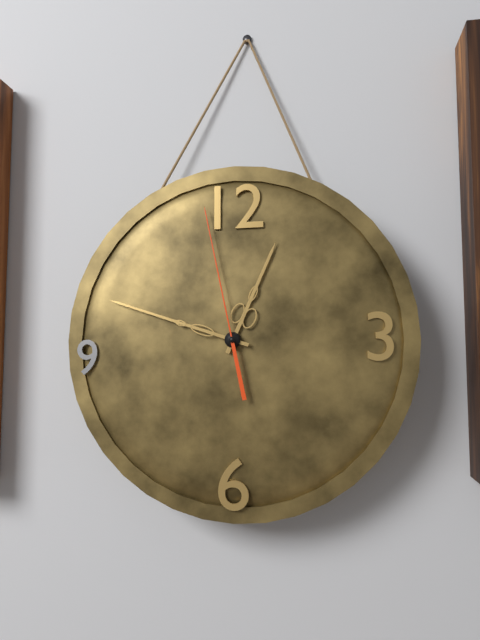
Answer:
h=12 m=48 s=58
